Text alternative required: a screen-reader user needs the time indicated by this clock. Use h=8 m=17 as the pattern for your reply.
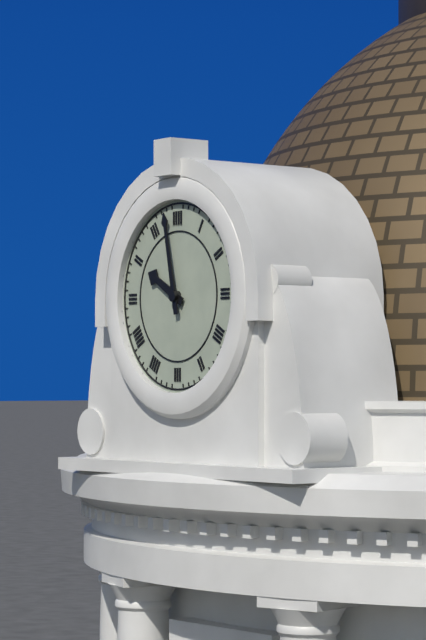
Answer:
h=9 m=58
